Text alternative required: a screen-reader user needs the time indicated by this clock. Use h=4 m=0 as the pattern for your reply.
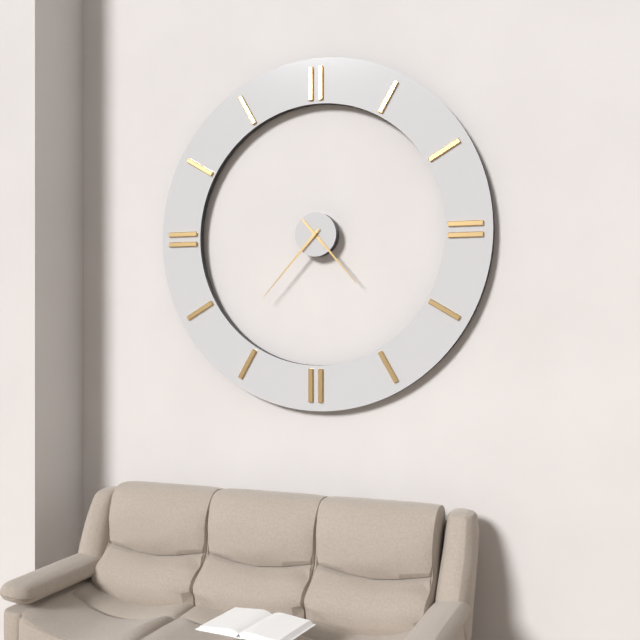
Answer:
h=4 m=37
